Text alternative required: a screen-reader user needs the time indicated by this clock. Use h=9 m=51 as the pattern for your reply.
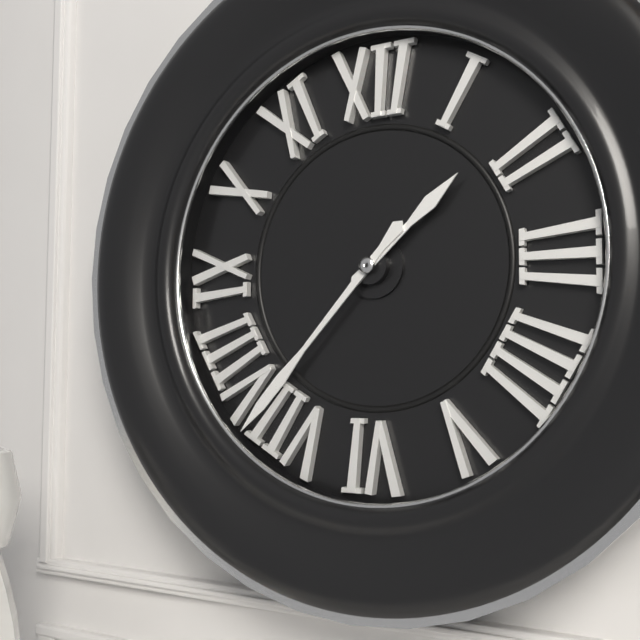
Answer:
h=1 m=37
